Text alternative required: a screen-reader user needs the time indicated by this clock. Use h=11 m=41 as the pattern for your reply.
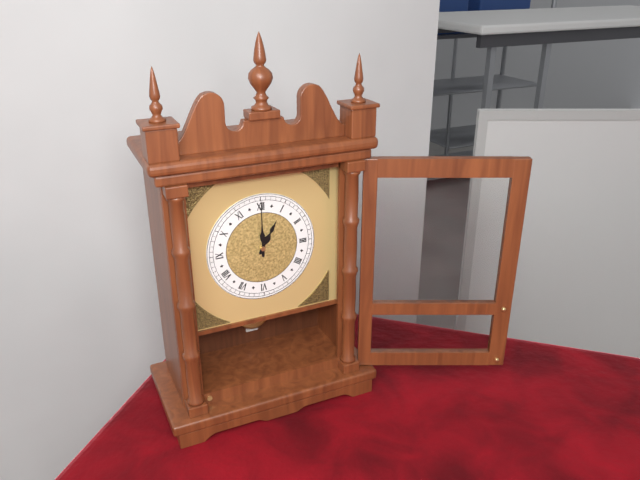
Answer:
h=1 m=0
